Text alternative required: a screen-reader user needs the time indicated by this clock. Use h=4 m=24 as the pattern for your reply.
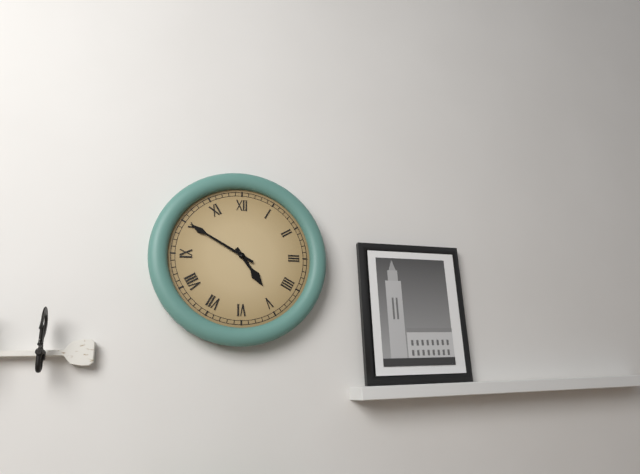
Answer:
h=4 m=50
